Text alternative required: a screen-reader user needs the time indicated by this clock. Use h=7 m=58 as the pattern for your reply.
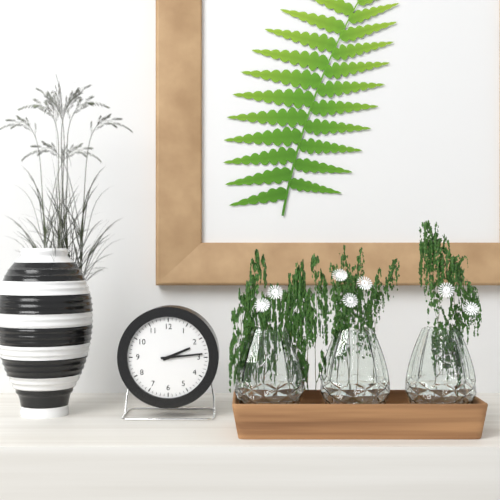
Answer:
h=2 m=14
